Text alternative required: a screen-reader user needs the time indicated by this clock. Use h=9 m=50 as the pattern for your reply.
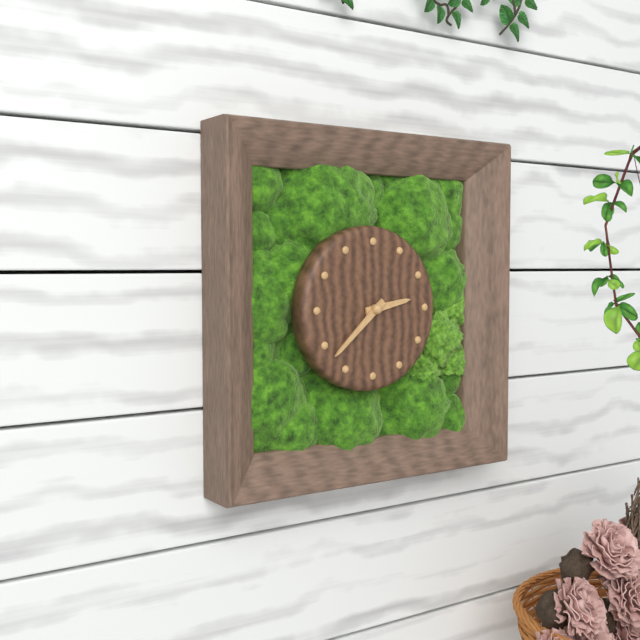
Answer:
h=2 m=38
